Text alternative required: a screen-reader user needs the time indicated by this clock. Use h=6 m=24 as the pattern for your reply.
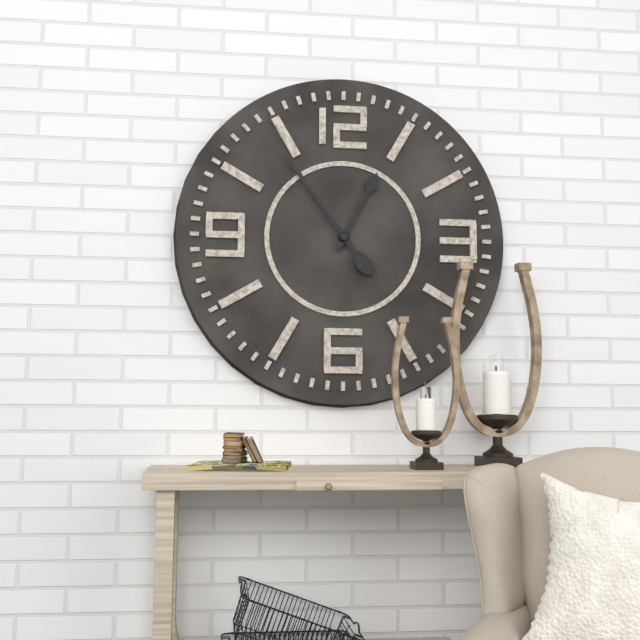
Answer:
h=12 m=54
